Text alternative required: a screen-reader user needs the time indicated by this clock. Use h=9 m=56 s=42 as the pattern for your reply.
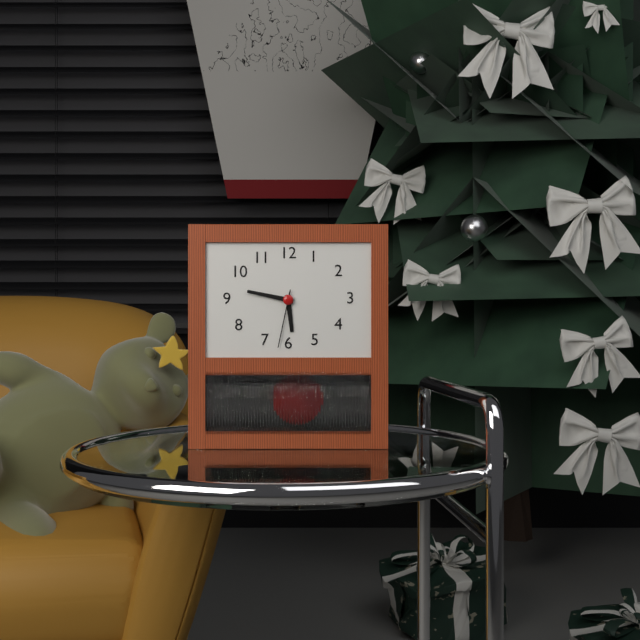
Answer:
h=5 m=47 s=32
